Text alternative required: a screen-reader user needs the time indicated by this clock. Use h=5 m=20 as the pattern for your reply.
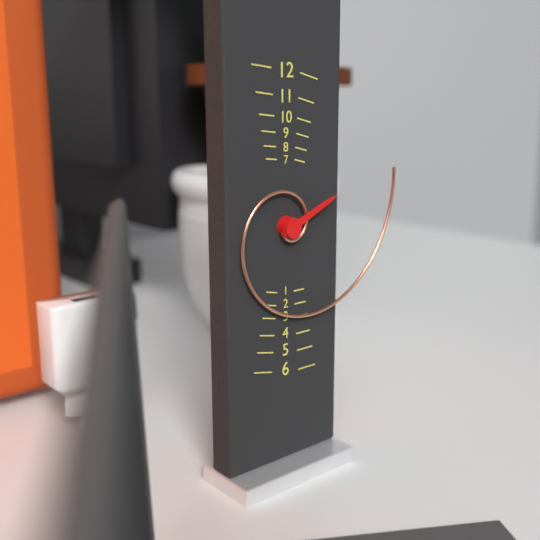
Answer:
h=2 m=12
